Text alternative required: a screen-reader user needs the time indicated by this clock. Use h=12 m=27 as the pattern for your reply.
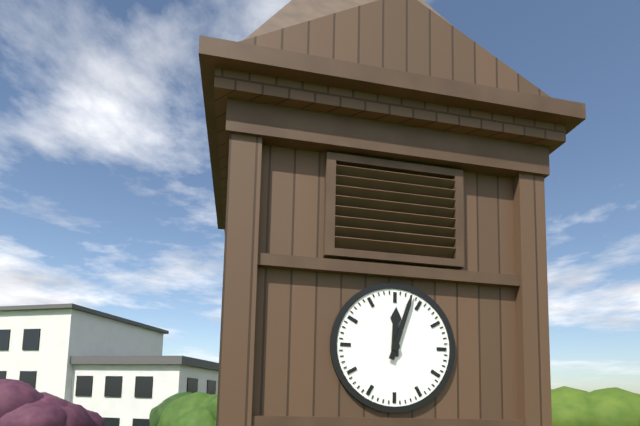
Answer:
h=12 m=3
